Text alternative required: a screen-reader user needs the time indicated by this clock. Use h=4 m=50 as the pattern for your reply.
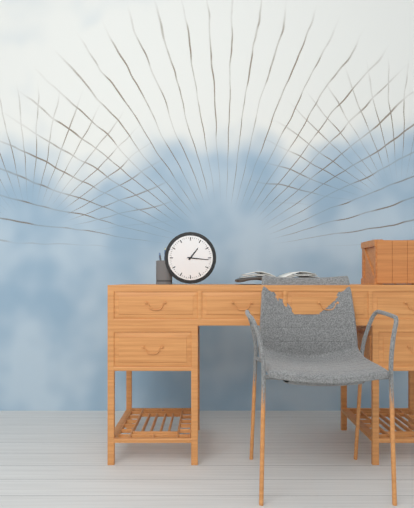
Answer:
h=1 m=16
